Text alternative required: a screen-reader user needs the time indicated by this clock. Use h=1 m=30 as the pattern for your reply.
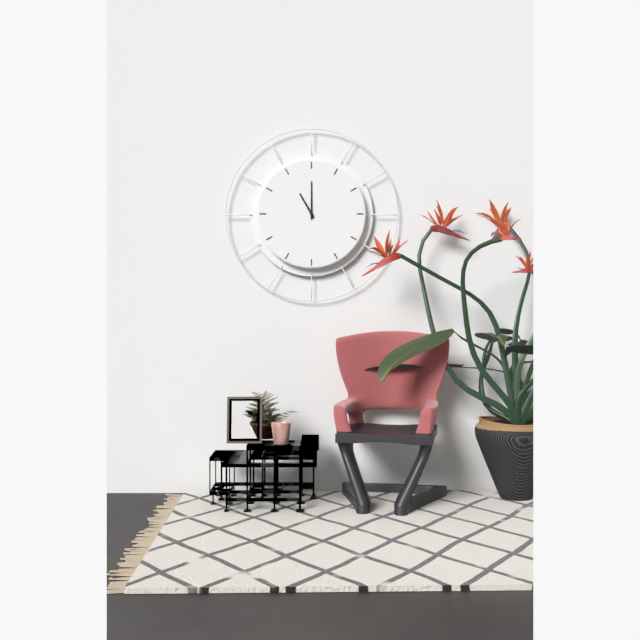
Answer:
h=11 m=0
